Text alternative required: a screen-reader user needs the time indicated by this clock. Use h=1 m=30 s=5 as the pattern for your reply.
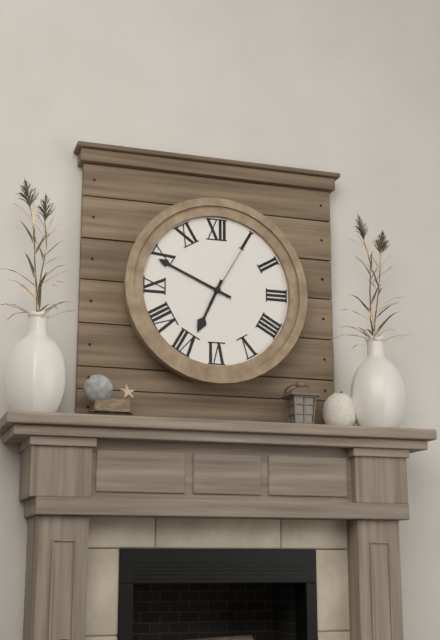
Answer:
h=6 m=49 s=5
